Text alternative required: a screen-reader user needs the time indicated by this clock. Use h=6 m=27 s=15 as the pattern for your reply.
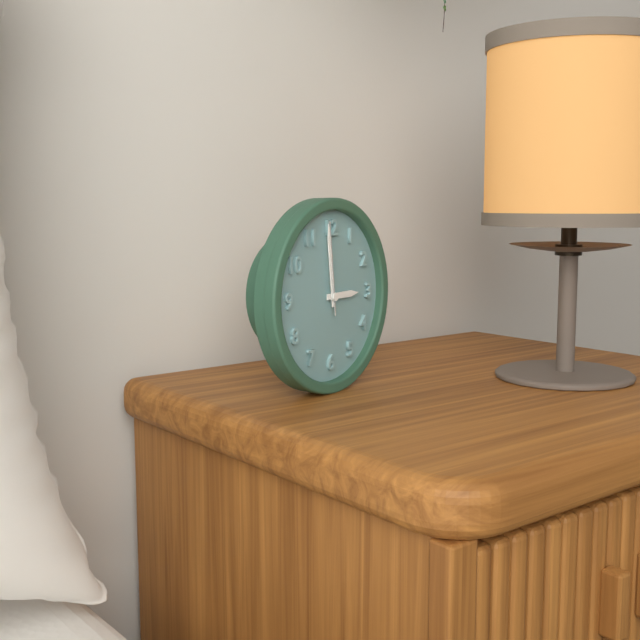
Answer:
h=2 m=59 s=59
